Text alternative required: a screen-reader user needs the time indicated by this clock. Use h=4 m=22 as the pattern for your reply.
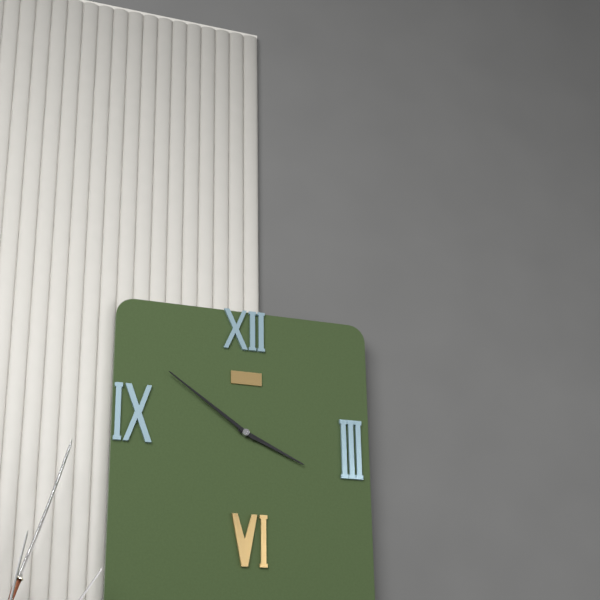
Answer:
h=3 m=51
